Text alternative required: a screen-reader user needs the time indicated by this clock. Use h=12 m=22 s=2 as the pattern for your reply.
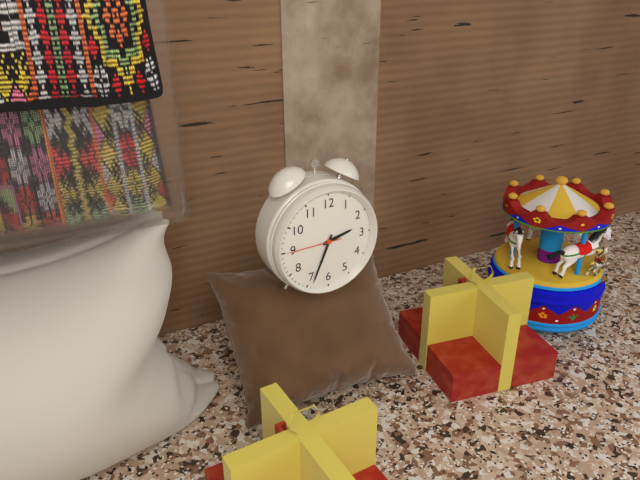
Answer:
h=2 m=34 s=45
